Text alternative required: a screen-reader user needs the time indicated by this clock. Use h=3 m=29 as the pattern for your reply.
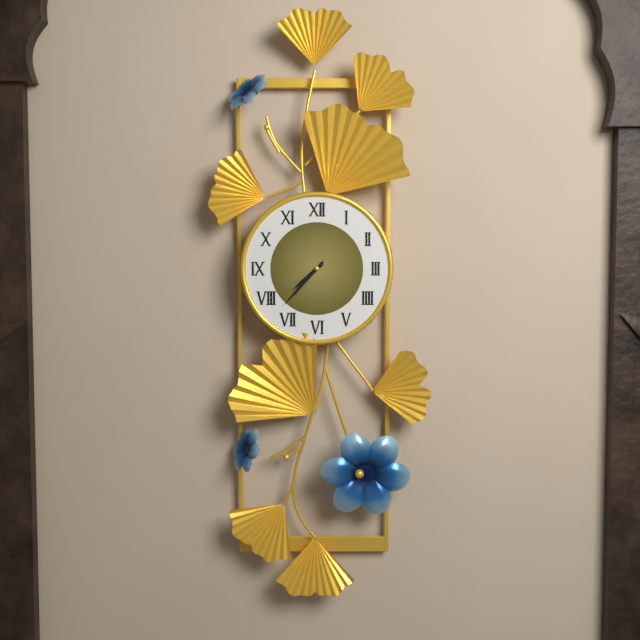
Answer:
h=7 m=37
